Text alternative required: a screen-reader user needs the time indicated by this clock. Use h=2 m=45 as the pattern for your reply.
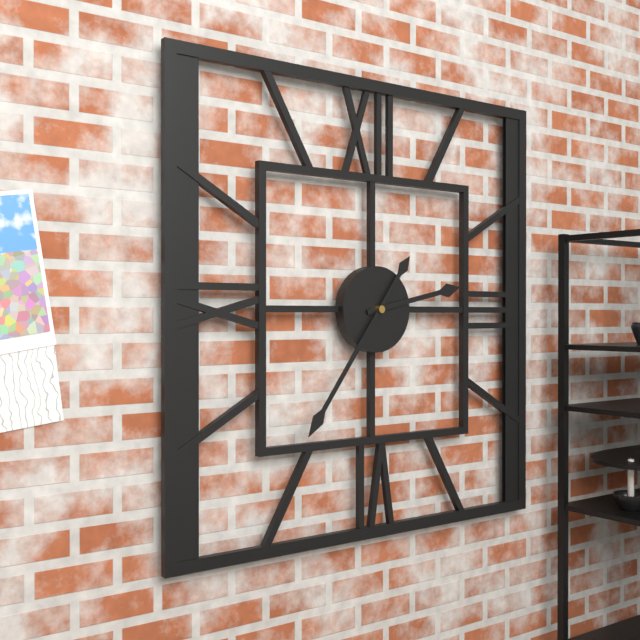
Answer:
h=2 m=36
